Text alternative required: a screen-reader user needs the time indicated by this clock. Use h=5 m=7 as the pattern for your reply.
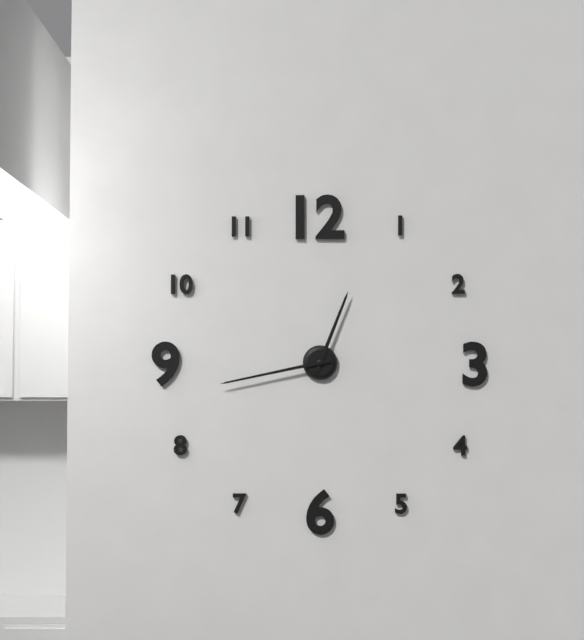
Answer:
h=12 m=43
